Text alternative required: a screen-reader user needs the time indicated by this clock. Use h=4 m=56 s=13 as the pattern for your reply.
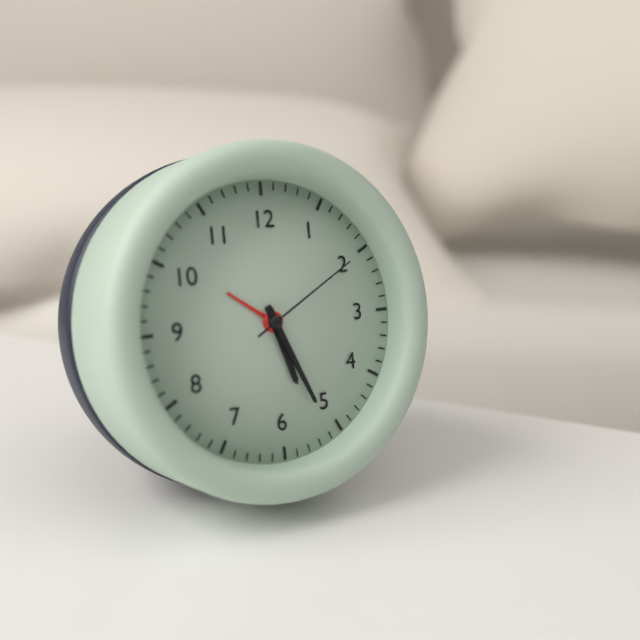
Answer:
h=5 m=26 s=10
